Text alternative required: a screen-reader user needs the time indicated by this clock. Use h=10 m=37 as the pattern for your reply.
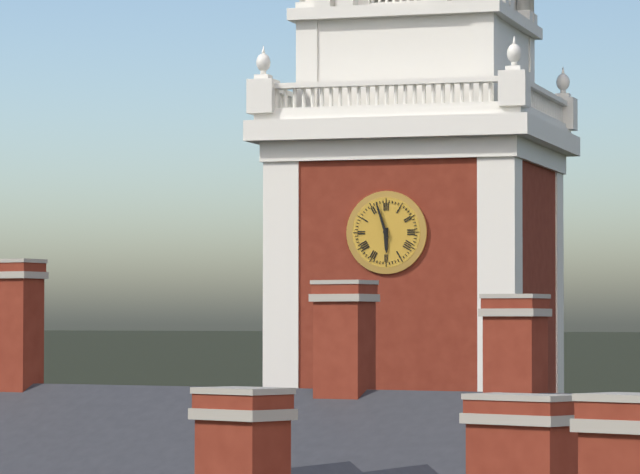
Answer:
h=5 m=57
